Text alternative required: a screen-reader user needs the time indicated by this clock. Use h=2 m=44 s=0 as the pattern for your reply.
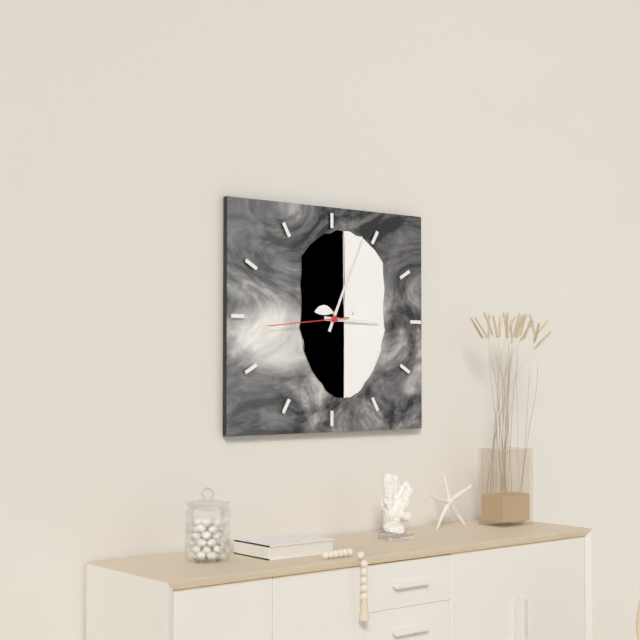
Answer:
h=3 m=4 s=44
